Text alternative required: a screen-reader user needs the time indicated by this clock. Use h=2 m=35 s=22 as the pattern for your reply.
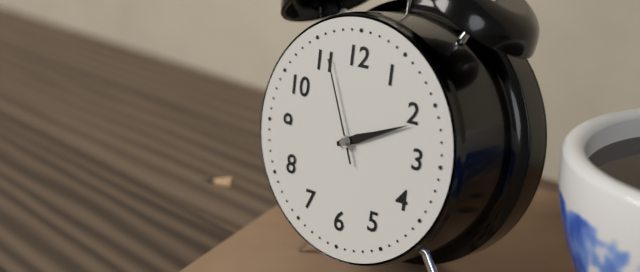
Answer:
h=2 m=11 s=56
